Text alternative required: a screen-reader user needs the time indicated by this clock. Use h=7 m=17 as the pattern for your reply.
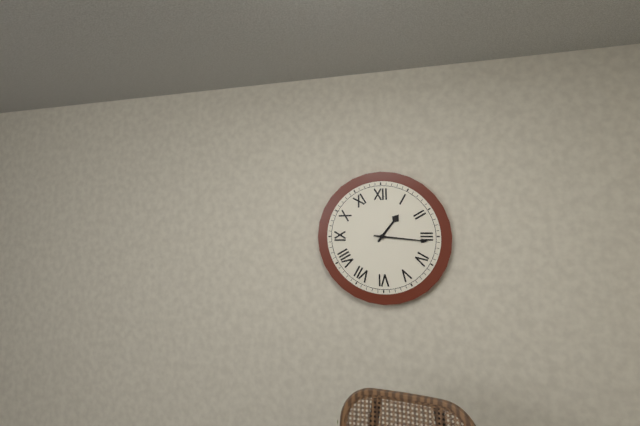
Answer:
h=1 m=16
